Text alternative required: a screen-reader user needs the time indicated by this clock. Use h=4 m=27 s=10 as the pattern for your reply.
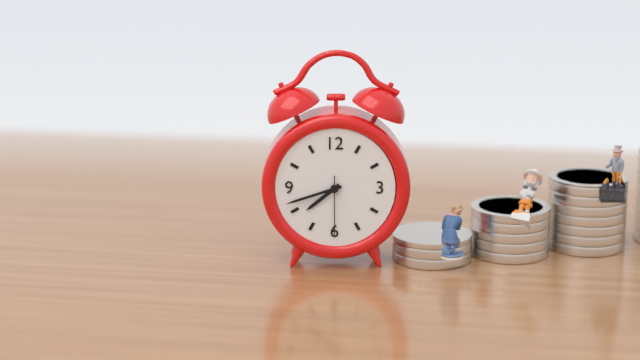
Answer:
h=7 m=42 s=30
